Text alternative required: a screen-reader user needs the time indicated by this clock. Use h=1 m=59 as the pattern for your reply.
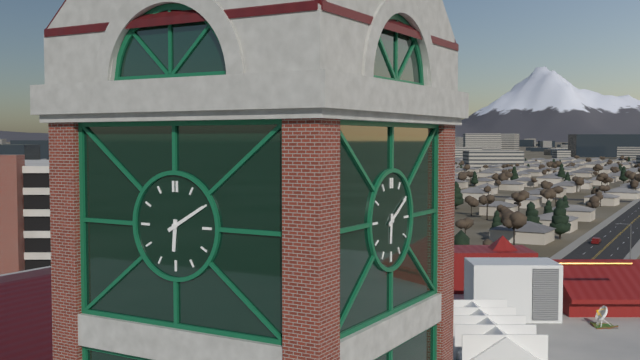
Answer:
h=6 m=10
